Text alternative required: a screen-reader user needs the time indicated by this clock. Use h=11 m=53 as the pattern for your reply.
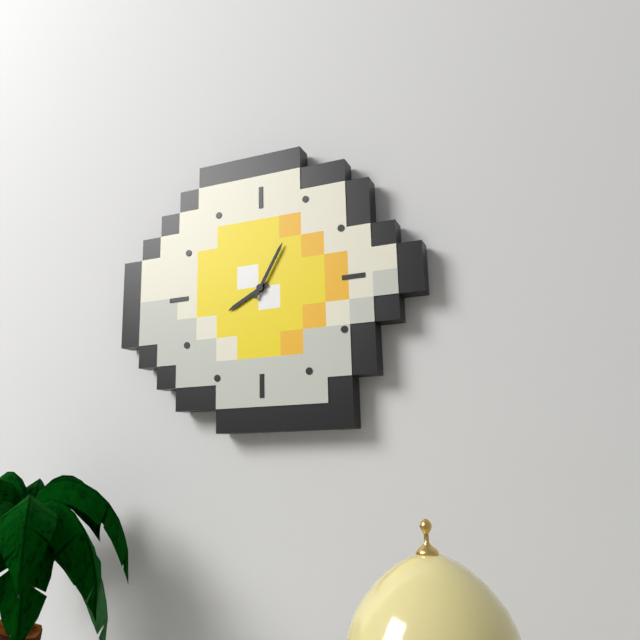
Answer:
h=8 m=5
